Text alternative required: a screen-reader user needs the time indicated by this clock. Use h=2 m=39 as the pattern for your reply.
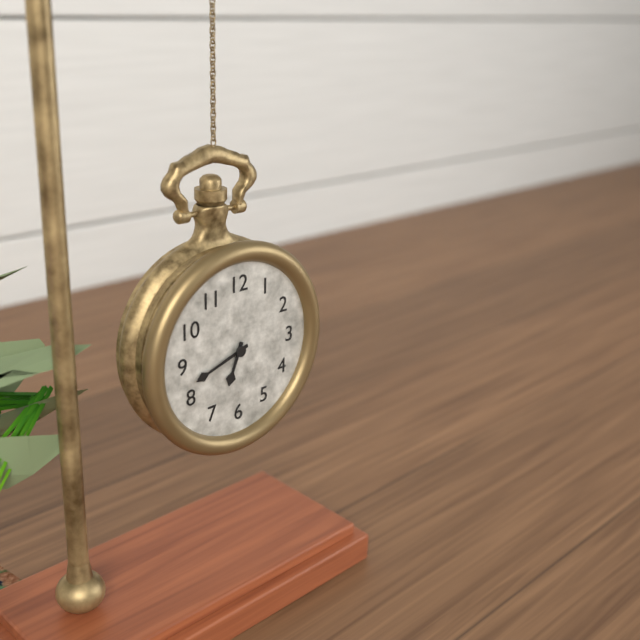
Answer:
h=6 m=42
